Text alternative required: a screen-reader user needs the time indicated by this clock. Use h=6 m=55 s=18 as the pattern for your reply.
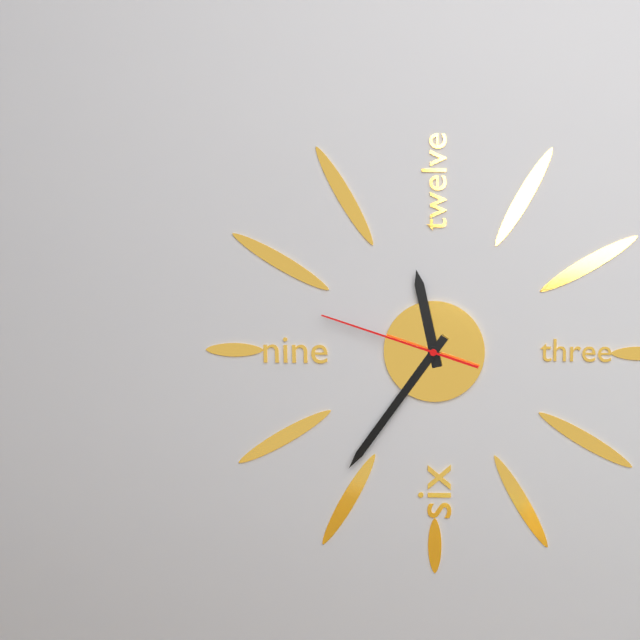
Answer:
h=11 m=36 s=48
